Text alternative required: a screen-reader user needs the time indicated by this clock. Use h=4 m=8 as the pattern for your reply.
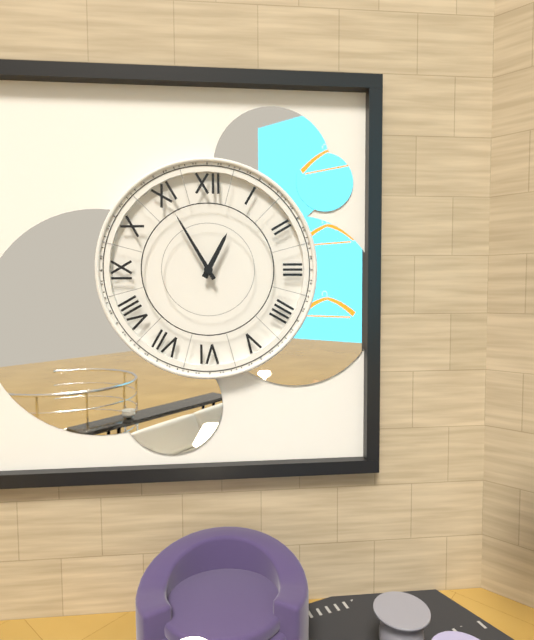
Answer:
h=12 m=55
